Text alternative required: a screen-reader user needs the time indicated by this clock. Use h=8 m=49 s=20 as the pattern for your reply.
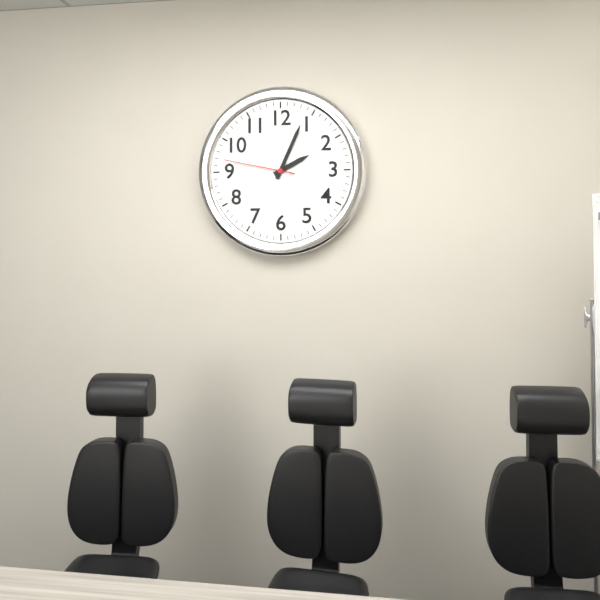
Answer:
h=2 m=4 s=47
